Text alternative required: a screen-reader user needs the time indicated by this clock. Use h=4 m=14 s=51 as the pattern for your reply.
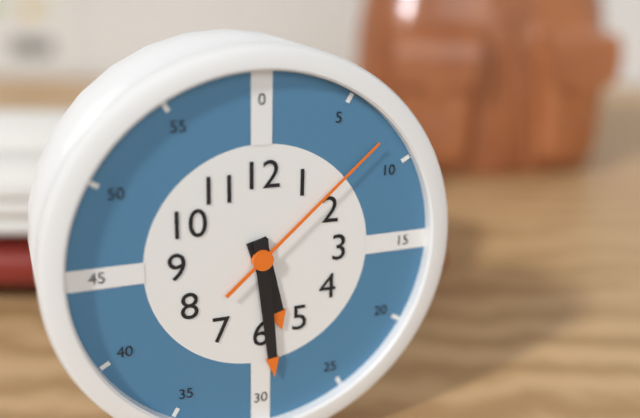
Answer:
h=5 m=29 s=8
